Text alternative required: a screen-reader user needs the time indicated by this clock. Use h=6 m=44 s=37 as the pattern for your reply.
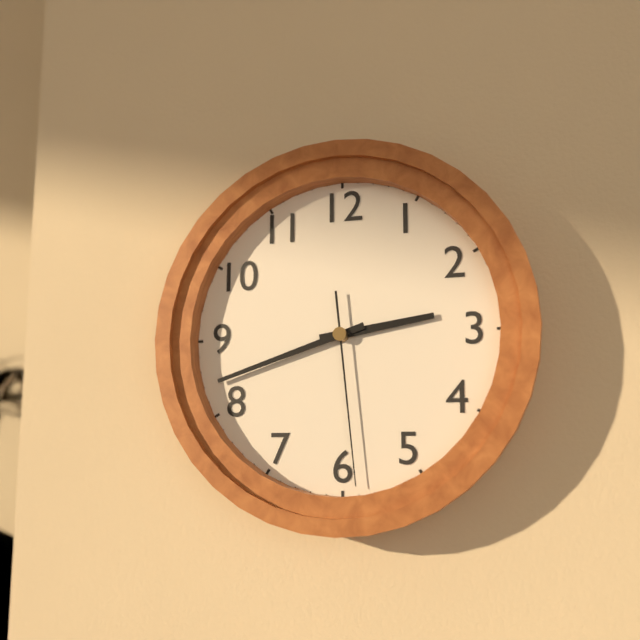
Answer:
h=2 m=42 s=29
